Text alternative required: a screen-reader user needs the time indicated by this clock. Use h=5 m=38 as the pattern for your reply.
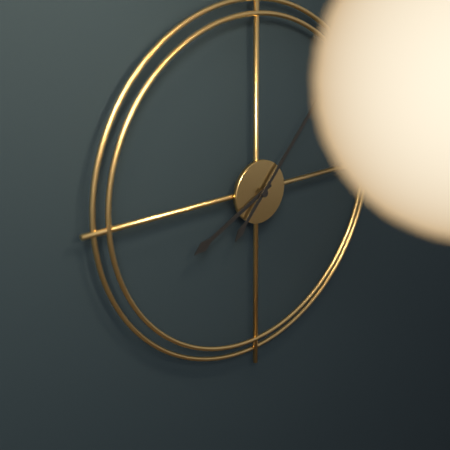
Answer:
h=8 m=7
